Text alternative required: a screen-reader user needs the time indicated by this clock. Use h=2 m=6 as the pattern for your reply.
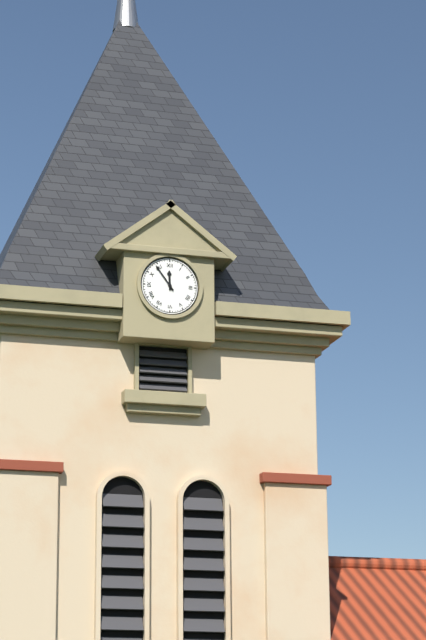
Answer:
h=11 m=54
